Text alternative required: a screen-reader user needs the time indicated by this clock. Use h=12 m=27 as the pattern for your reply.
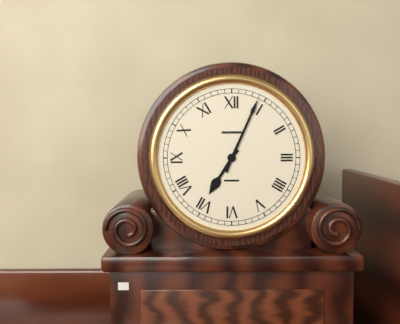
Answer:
h=7 m=4
